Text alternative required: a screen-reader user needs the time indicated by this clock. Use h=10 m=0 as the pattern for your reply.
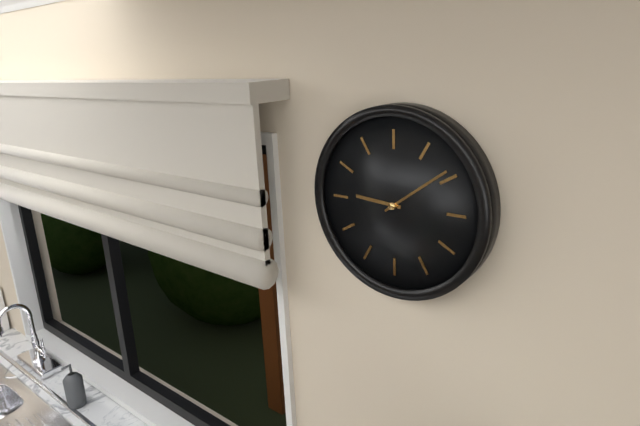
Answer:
h=9 m=9
